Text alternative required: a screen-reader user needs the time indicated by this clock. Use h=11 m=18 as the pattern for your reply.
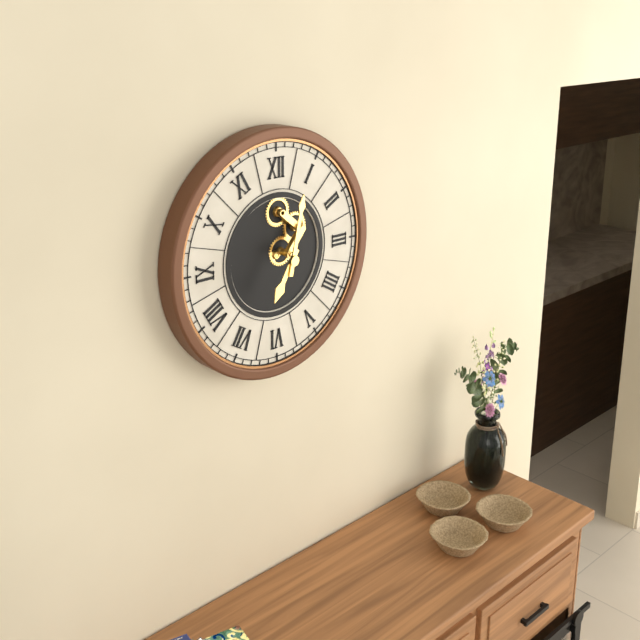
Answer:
h=7 m=2
